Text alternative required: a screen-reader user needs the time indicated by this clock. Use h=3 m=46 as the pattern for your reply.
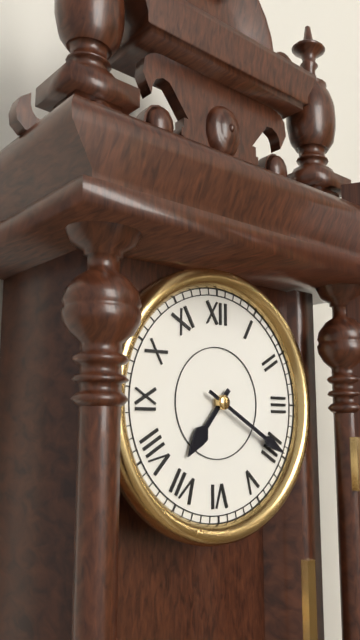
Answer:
h=7 m=20
